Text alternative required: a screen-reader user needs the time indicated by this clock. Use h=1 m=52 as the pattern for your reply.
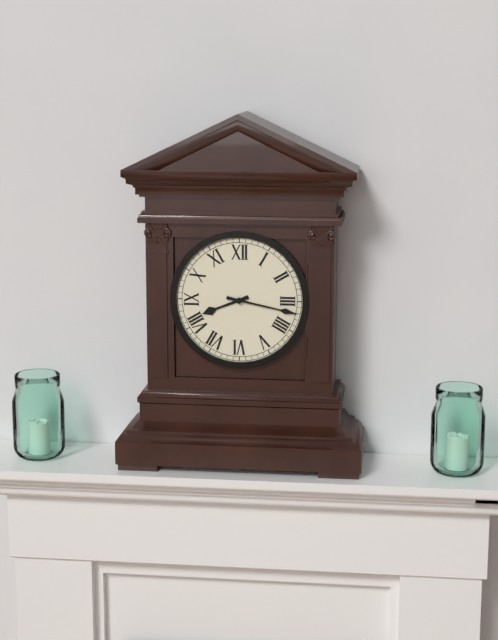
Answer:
h=8 m=17
